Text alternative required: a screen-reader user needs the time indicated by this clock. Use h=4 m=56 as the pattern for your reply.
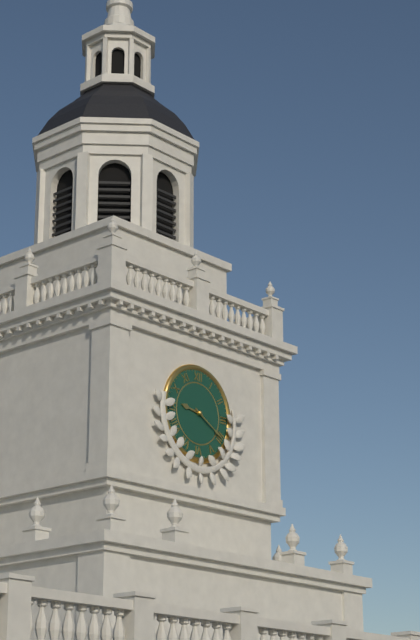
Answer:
h=9 m=20
